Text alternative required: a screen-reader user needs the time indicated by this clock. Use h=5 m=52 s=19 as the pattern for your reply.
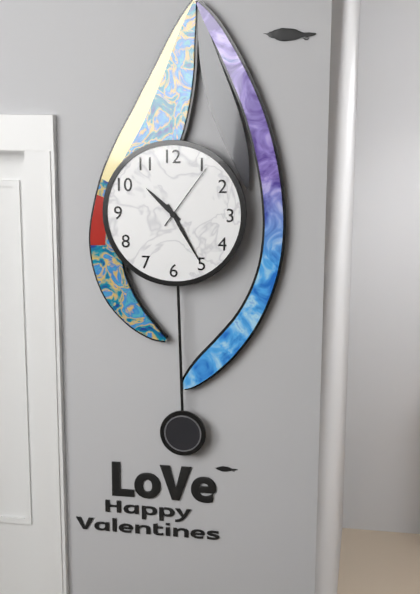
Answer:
h=10 m=25 s=6
